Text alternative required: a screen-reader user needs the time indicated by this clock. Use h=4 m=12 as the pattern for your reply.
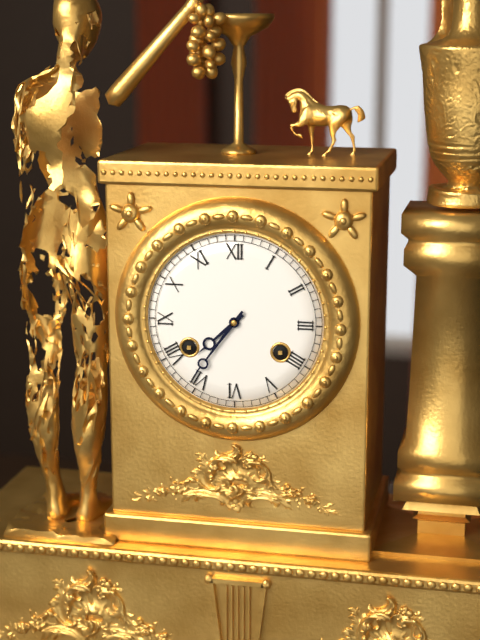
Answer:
h=7 m=36
